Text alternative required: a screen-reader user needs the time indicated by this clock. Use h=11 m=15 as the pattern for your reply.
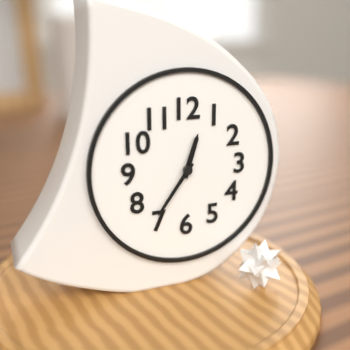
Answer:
h=12 m=36
